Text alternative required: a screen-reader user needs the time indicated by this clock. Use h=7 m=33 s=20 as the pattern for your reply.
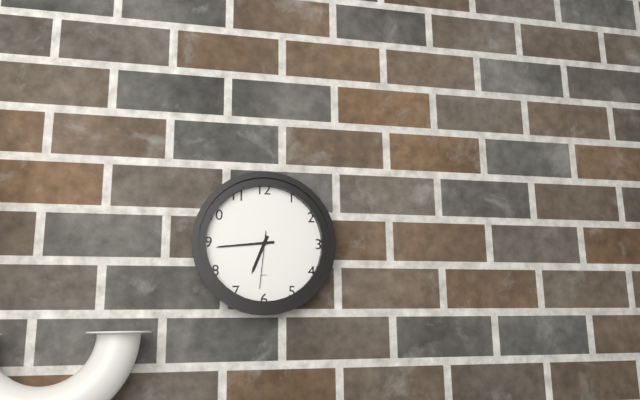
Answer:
h=6 m=44 s=31
